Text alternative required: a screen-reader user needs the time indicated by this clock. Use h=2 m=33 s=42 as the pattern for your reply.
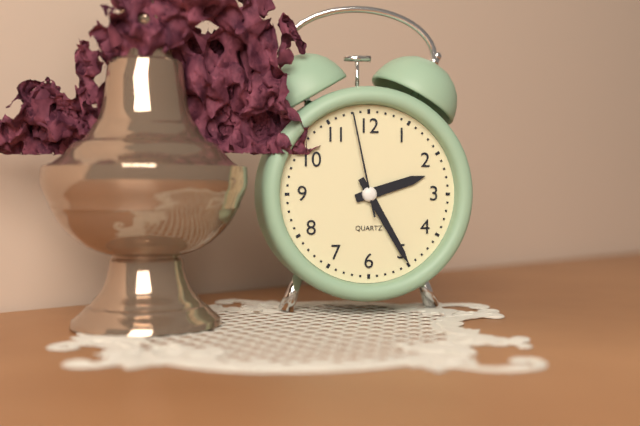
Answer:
h=2 m=25 s=58
